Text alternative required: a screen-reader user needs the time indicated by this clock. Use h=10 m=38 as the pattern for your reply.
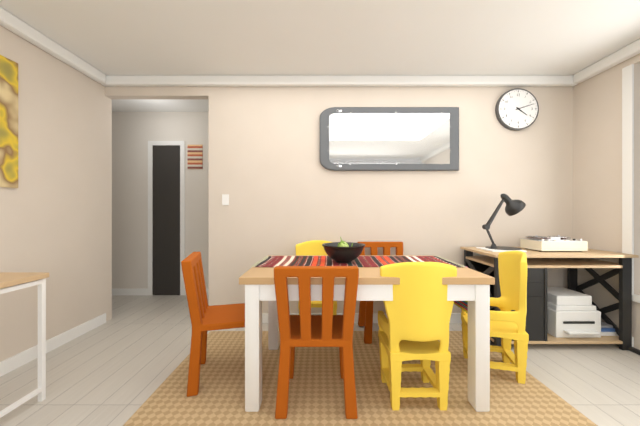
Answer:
h=4 m=12
